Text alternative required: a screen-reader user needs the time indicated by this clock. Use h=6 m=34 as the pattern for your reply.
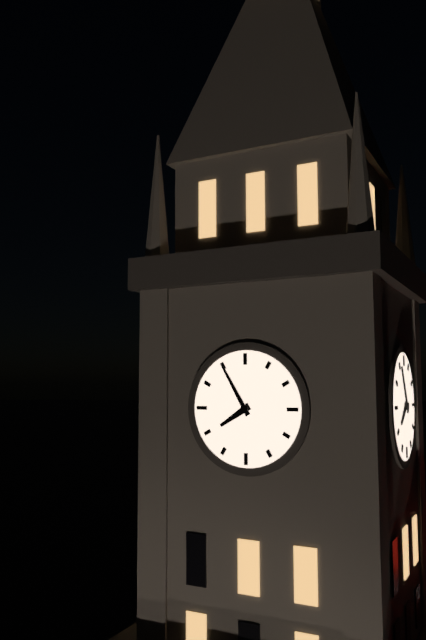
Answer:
h=7 m=55
